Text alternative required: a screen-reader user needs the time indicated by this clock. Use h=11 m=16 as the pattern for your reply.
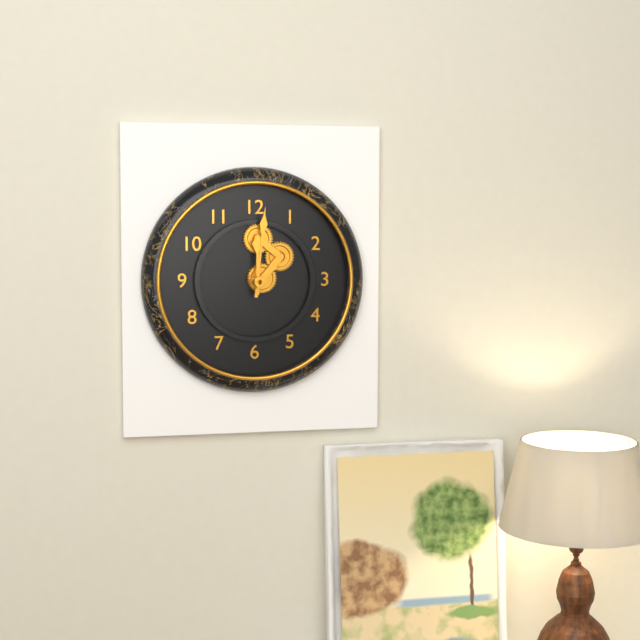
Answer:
h=12 m=1
